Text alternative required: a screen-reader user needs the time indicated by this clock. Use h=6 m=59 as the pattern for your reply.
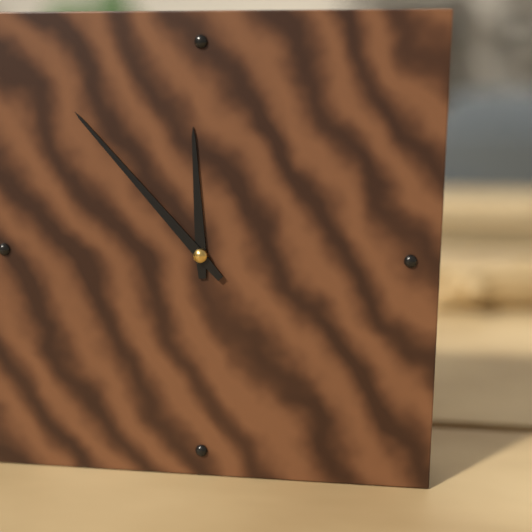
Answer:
h=11 m=53
